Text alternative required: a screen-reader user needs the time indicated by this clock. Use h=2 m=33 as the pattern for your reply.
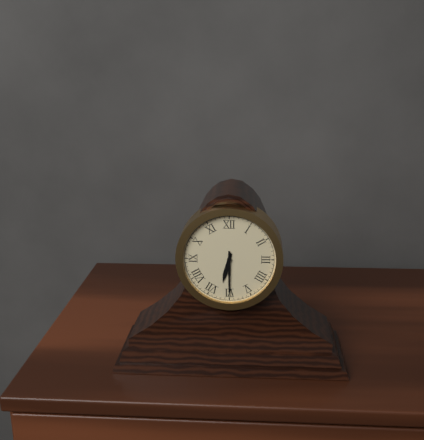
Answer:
h=6 m=30
